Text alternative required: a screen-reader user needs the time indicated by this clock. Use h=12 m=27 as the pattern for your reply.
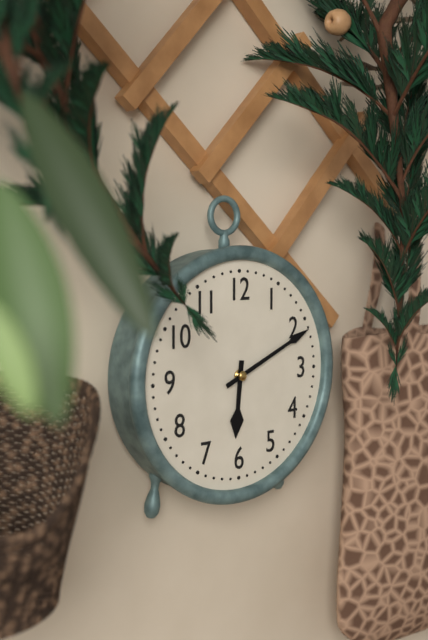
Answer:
h=6 m=11
